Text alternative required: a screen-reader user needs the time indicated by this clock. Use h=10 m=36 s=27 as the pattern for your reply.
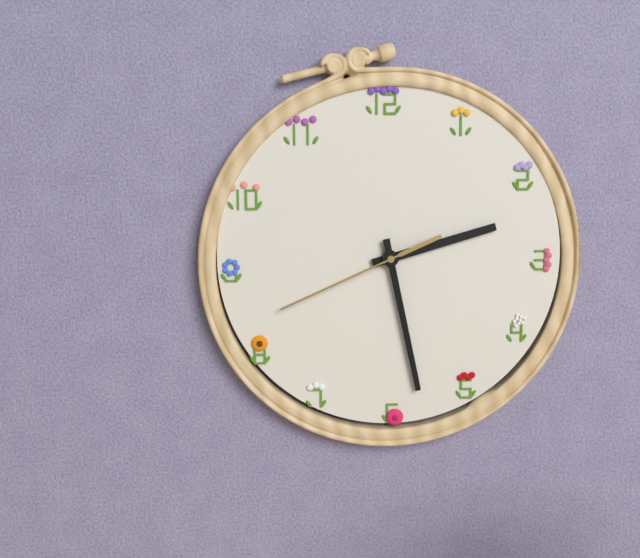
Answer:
h=2 m=28 s=41
